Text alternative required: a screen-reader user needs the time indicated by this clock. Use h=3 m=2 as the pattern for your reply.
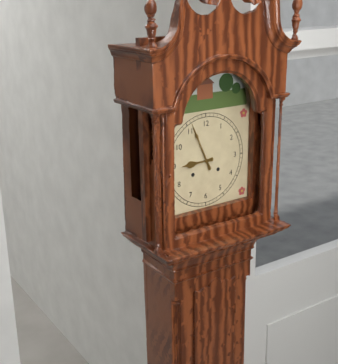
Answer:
h=8 m=56
